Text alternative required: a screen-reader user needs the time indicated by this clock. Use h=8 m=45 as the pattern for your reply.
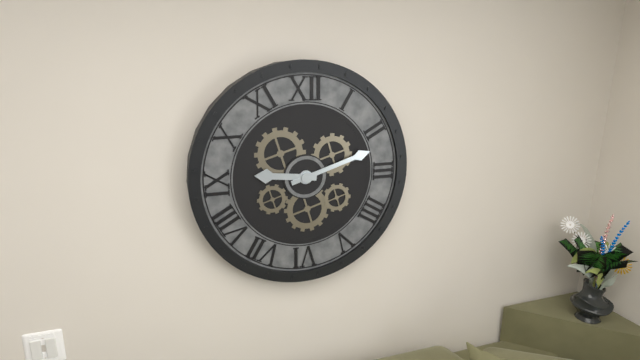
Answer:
h=9 m=12
